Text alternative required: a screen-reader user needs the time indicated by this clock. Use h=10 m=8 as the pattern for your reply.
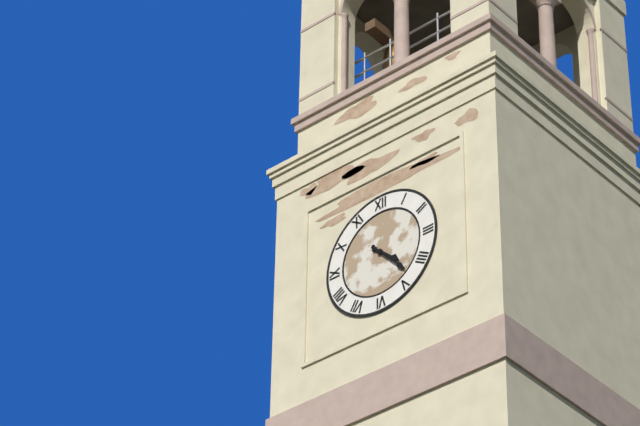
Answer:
h=4 m=23
